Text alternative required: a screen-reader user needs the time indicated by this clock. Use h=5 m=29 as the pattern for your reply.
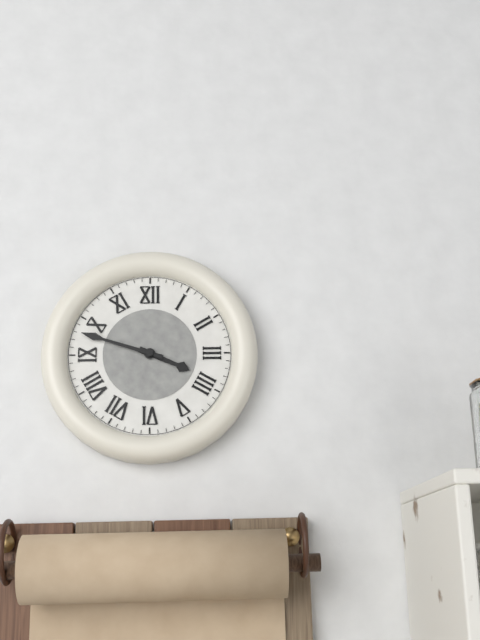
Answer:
h=3 m=48
